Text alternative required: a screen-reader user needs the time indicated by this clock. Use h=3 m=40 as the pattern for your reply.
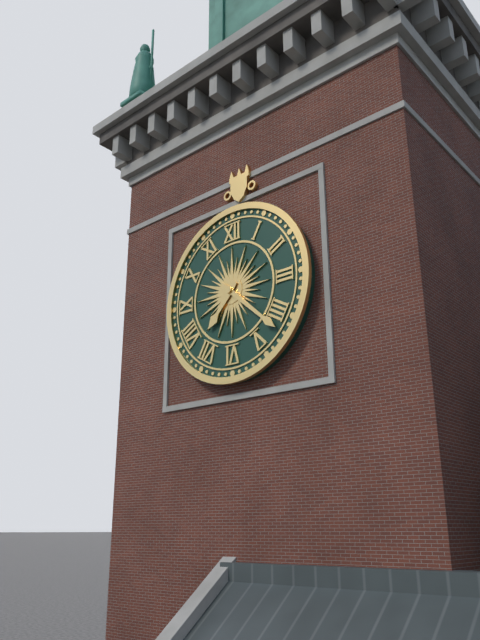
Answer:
h=7 m=22
